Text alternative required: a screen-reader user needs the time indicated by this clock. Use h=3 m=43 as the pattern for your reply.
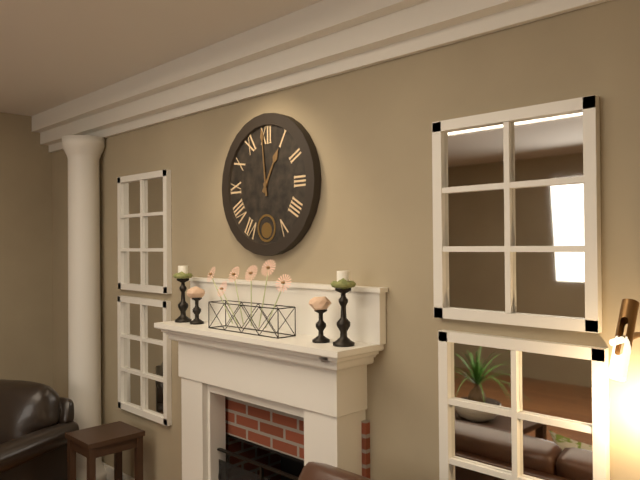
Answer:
h=12 m=59
